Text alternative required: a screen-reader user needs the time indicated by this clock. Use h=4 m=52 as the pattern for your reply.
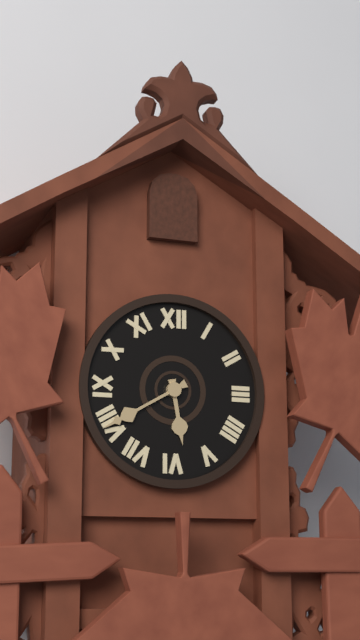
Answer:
h=5 m=40
